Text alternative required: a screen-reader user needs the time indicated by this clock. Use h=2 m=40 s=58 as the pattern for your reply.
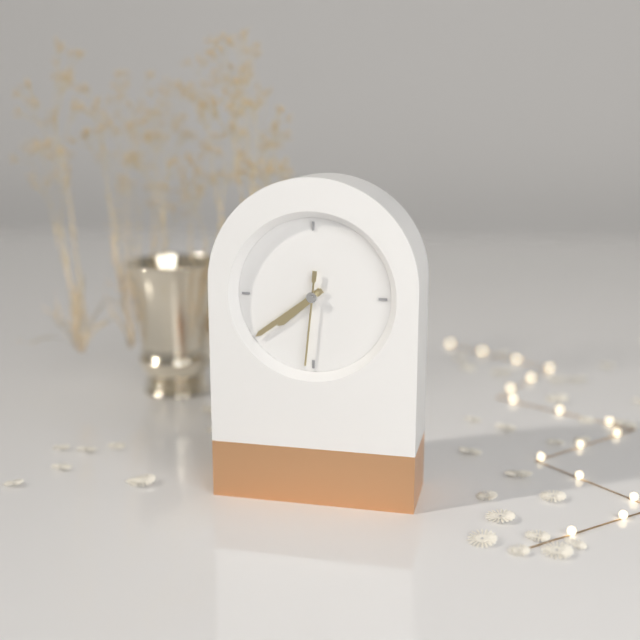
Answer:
h=7 m=39 s=31
